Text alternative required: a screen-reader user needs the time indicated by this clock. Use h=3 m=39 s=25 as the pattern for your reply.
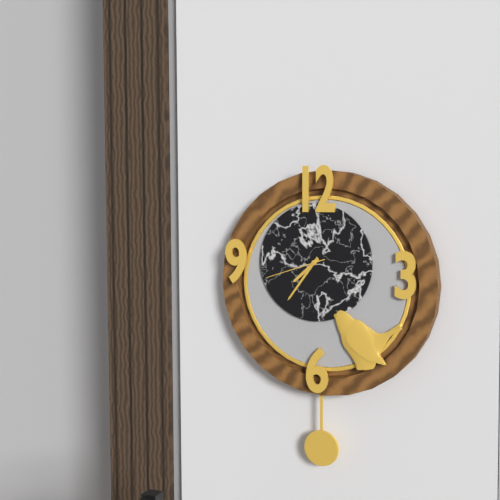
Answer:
h=7 m=36 s=42
